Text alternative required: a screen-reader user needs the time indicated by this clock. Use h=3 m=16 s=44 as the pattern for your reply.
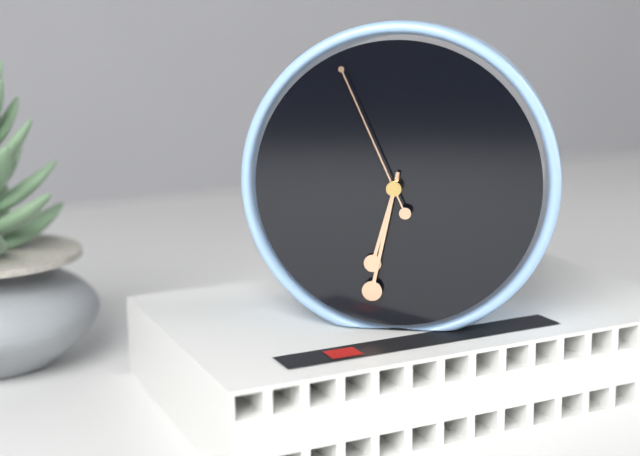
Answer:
h=6 m=32 s=56
